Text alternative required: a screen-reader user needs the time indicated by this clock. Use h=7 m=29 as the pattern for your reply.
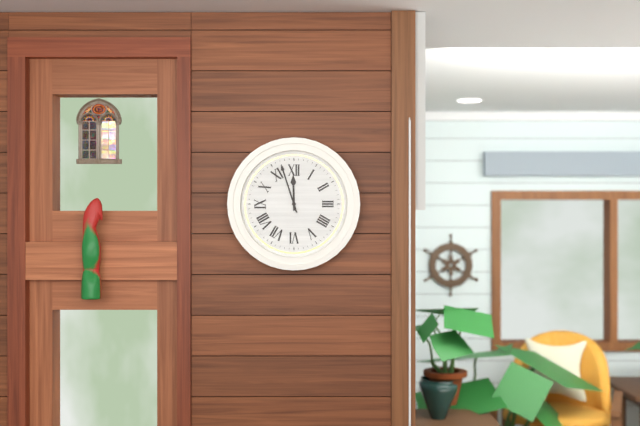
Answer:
h=11 m=57
